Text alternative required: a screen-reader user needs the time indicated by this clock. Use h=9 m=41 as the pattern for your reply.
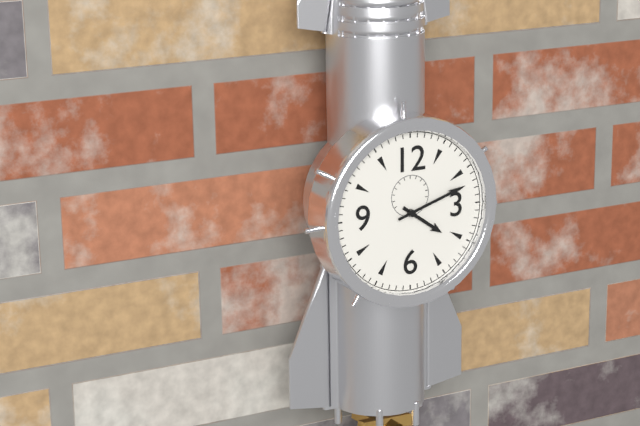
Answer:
h=4 m=12
